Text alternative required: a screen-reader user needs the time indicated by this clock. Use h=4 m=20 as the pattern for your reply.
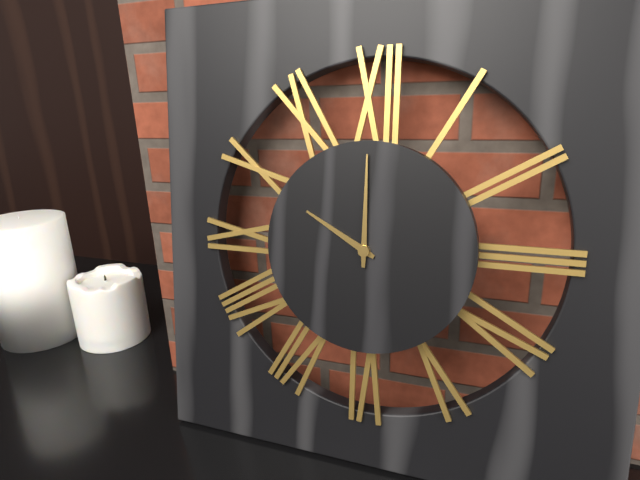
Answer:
h=10 m=0
